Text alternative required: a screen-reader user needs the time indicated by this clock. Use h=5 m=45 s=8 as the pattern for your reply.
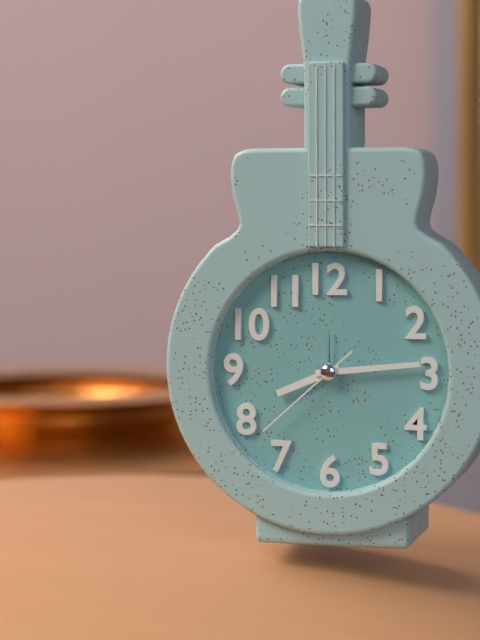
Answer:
h=8 m=14 s=38
